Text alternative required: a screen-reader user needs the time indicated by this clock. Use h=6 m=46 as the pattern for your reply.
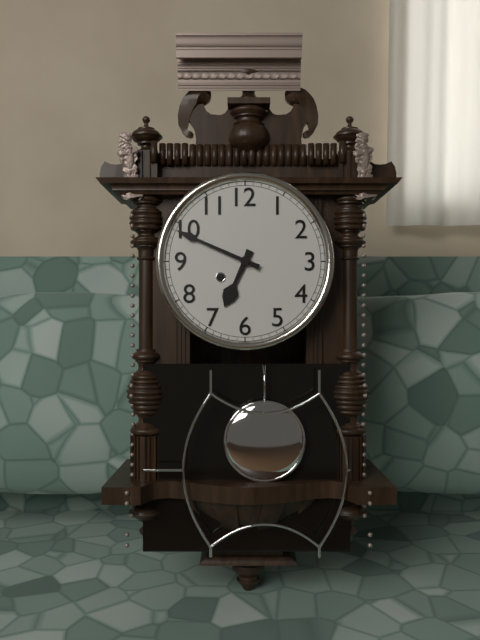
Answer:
h=6 m=49
